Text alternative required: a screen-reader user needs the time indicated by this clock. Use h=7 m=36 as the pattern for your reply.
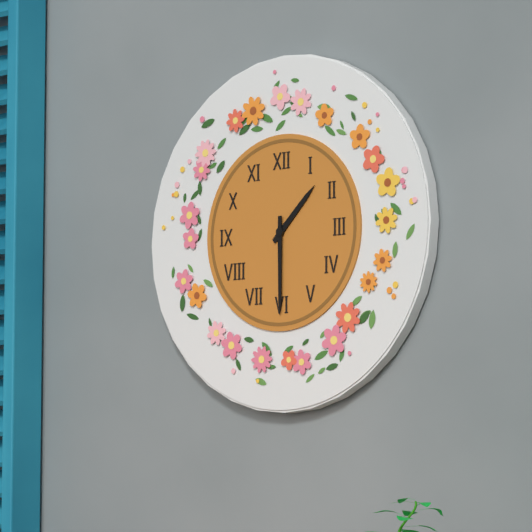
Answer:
h=1 m=30
